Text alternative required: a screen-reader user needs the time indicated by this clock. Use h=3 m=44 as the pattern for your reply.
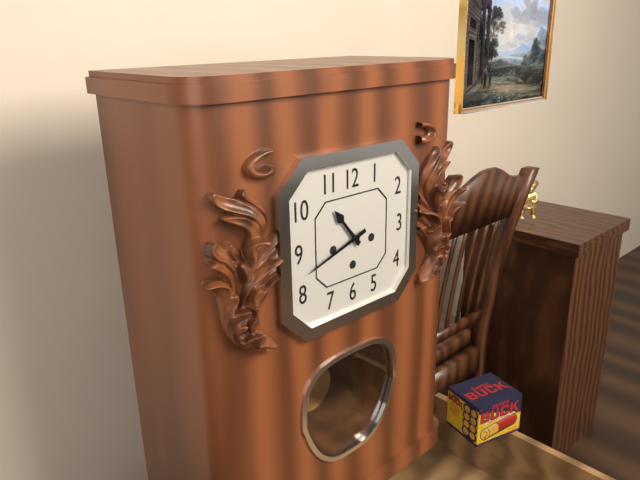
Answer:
h=10 m=42
